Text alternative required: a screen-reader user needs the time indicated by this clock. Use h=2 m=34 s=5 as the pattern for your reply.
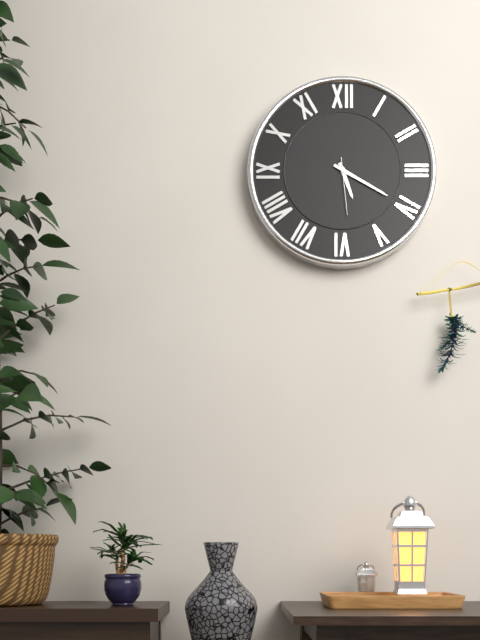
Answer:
h=5 m=20 s=29
